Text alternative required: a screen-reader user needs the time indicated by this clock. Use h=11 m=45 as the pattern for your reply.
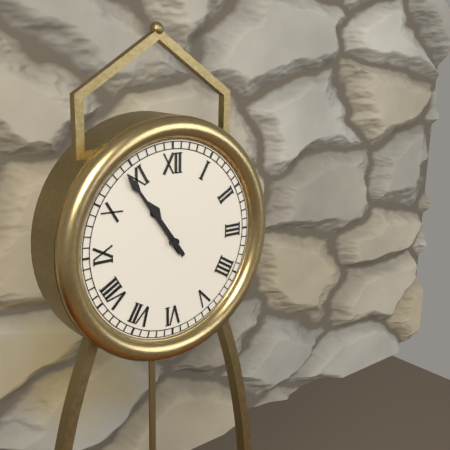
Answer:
h=10 m=54
